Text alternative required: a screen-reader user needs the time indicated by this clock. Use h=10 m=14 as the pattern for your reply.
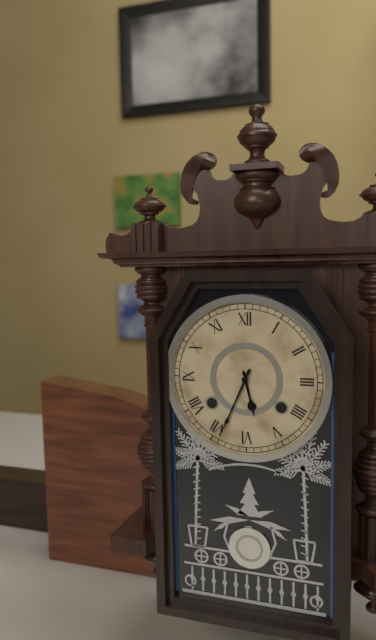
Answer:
h=5 m=34
